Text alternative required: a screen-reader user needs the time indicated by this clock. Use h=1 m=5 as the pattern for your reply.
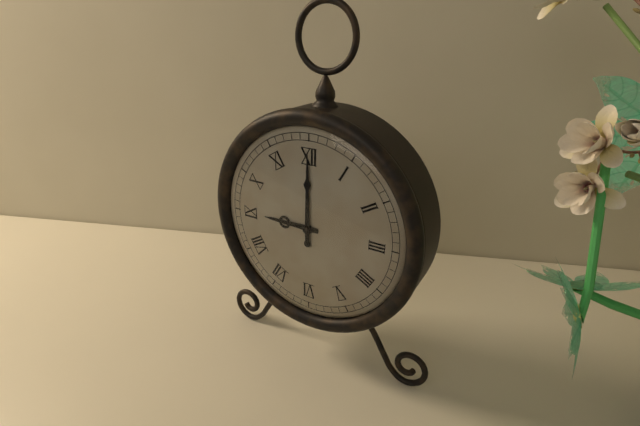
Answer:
h=9 m=0
